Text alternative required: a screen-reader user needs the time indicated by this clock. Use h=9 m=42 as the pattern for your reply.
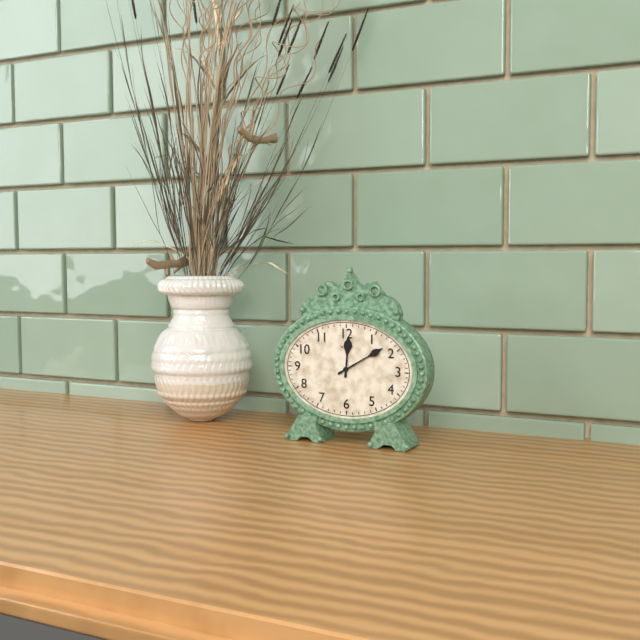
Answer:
h=12 m=10
